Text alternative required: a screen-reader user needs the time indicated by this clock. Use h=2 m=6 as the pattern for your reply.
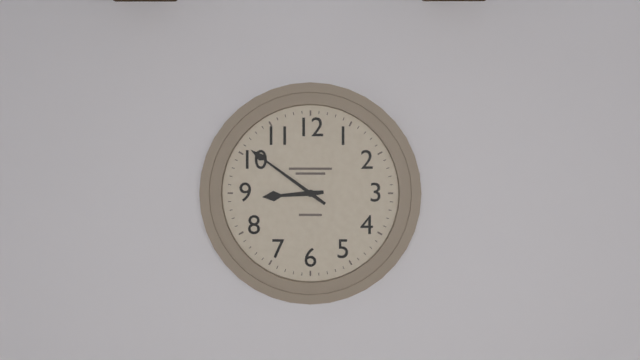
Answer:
h=8 m=51
